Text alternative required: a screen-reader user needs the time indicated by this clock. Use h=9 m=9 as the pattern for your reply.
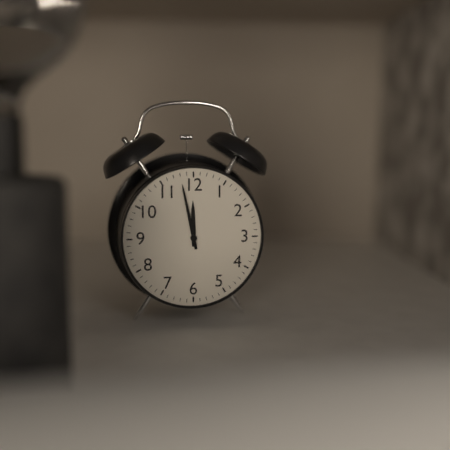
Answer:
h=11 m=58
